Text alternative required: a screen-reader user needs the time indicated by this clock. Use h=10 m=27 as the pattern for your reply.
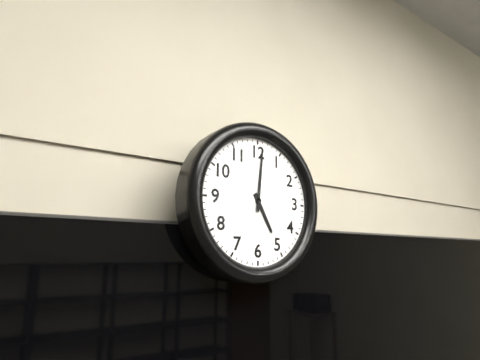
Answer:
h=5 m=1
